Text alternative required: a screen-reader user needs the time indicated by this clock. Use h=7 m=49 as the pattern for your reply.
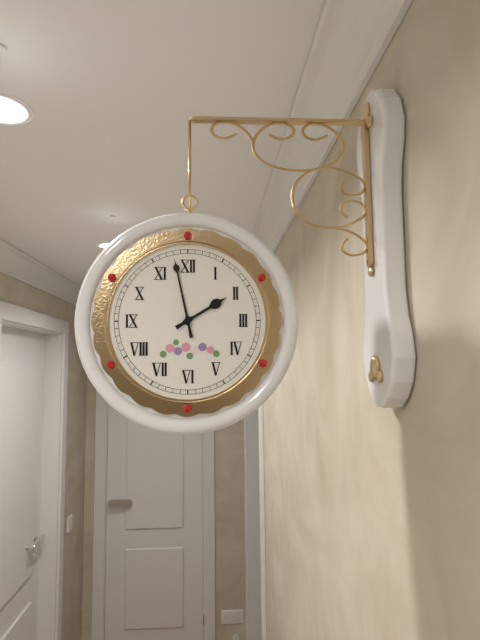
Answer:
h=1 m=58
